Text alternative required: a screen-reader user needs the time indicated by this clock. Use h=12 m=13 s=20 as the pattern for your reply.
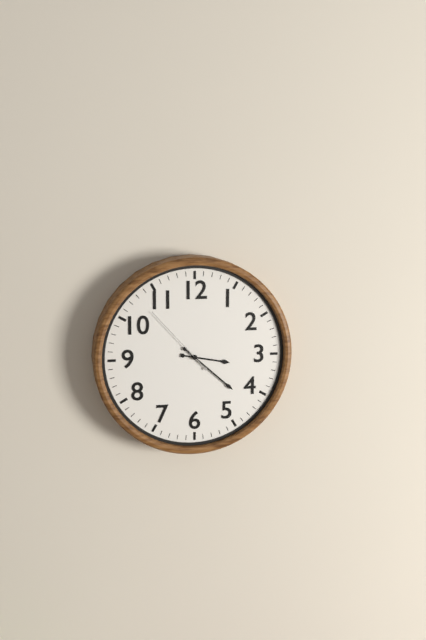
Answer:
h=3 m=22 s=53
